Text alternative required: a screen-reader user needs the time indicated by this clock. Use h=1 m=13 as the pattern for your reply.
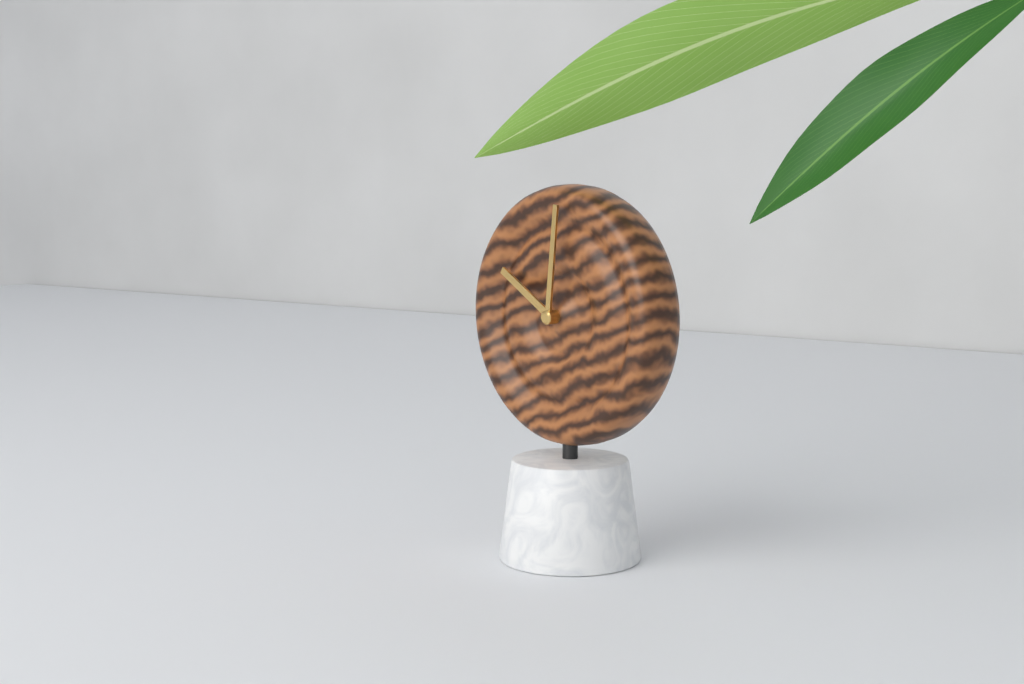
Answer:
h=10 m=1
